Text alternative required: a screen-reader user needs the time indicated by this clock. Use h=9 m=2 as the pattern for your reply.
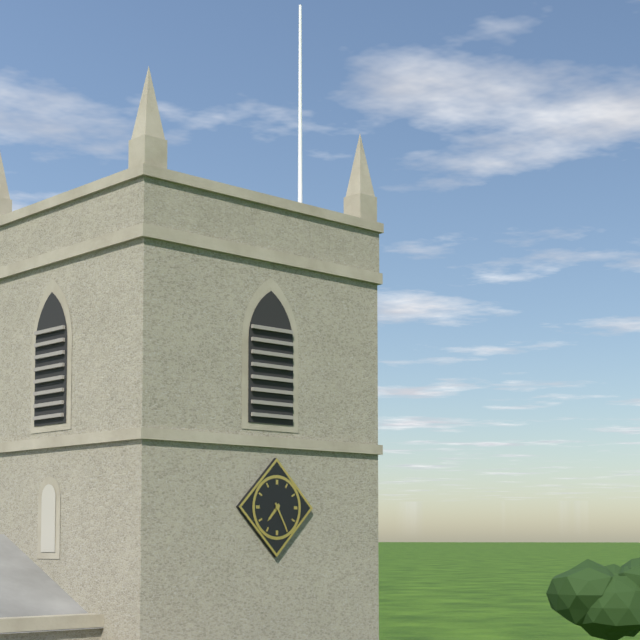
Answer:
h=7 m=25
